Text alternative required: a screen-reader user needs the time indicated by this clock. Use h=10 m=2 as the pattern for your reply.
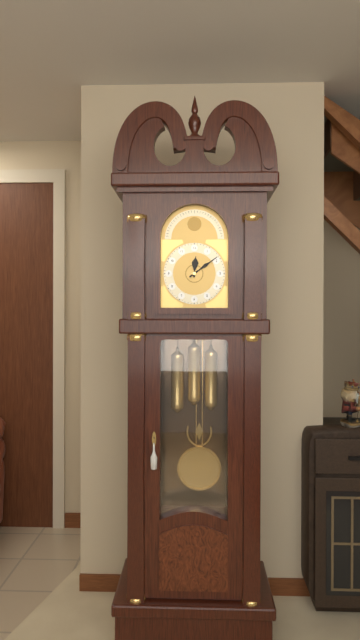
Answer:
h=12 m=9
